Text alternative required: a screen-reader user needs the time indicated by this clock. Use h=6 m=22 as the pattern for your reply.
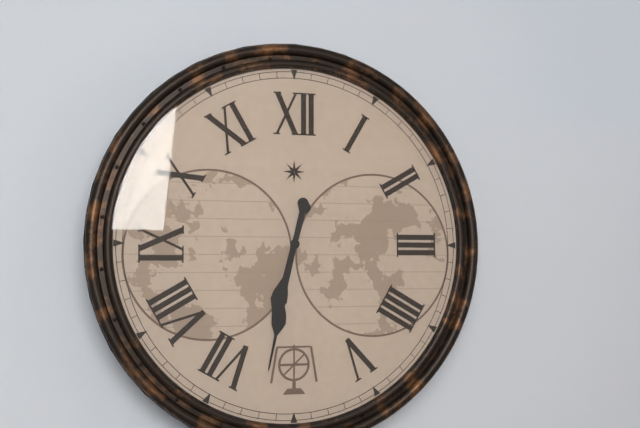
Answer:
h=6 m=32
